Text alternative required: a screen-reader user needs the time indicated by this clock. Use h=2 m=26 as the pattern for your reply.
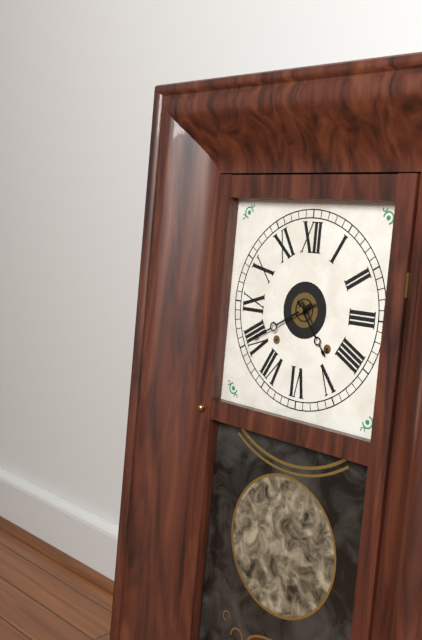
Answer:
h=4 m=40
